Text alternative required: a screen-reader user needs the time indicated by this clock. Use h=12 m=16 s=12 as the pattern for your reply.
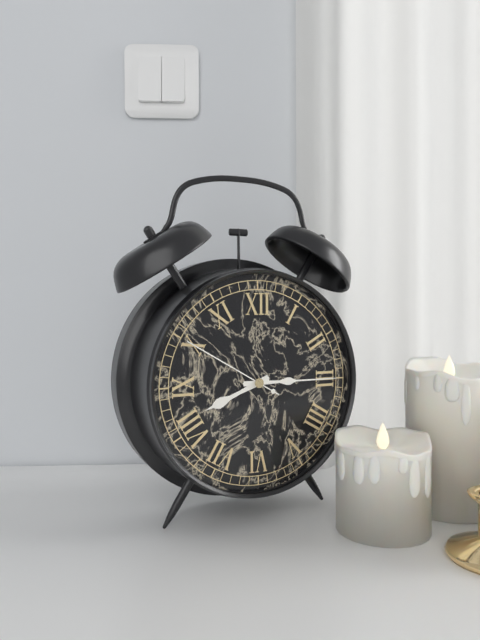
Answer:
h=8 m=15 s=50
